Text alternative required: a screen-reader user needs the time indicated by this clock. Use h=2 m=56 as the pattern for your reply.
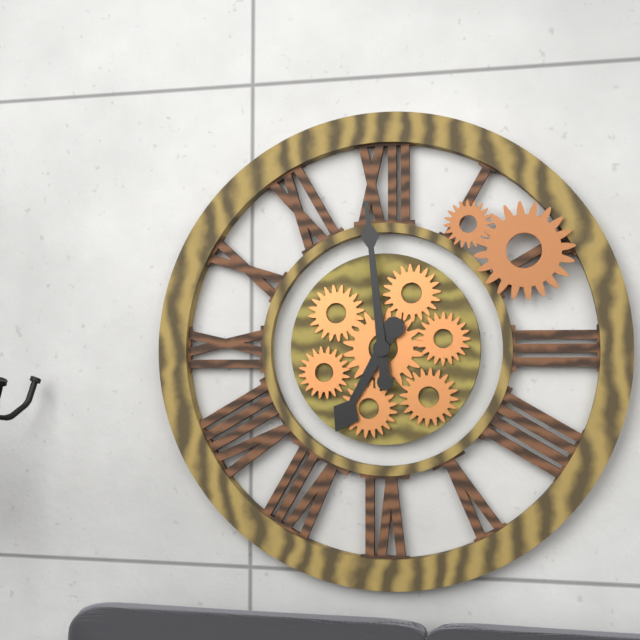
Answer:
h=6 m=59
